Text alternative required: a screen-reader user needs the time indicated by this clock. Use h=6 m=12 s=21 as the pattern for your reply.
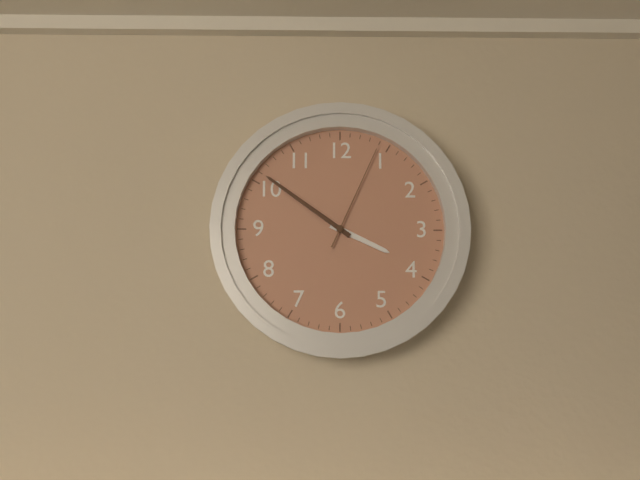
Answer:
h=3 m=51 s=4
